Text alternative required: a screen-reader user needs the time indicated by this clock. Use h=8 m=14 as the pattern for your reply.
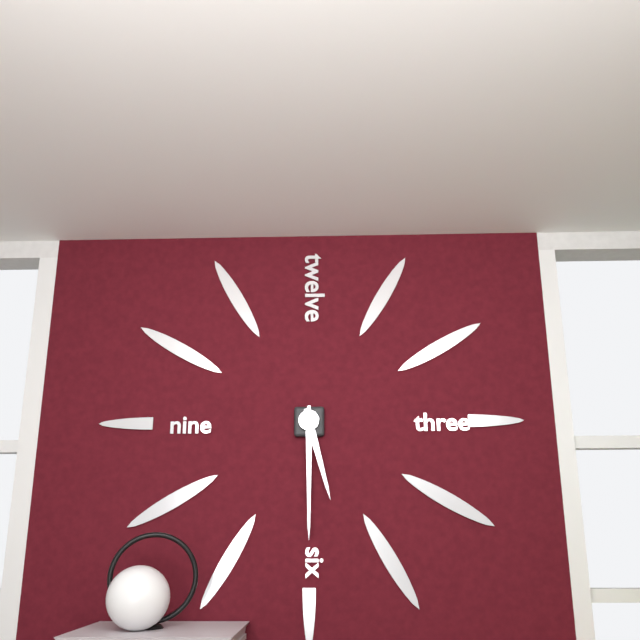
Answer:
h=5 m=30
